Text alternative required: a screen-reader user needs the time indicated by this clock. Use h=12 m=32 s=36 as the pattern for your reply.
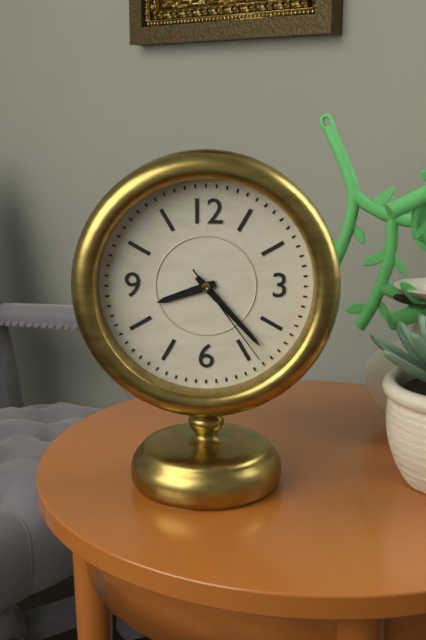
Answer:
h=8 m=23 s=24
